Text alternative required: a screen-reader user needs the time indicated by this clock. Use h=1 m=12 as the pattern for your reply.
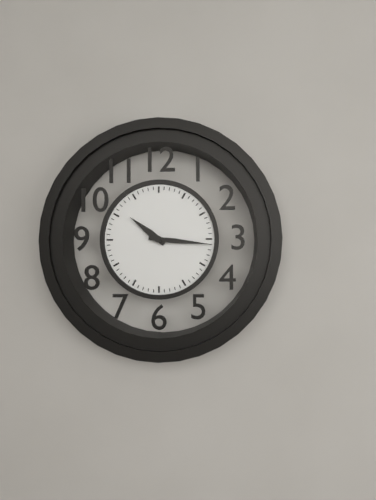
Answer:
h=10 m=16
